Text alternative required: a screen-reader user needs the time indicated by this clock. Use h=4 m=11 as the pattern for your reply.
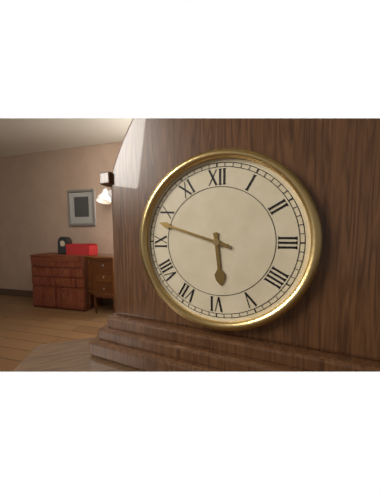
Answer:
h=5 m=48
